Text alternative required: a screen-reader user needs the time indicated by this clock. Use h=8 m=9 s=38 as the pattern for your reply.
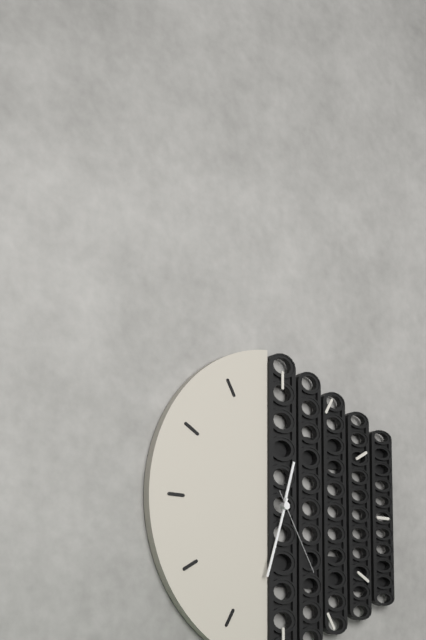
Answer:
h=12 m=33 s=25
